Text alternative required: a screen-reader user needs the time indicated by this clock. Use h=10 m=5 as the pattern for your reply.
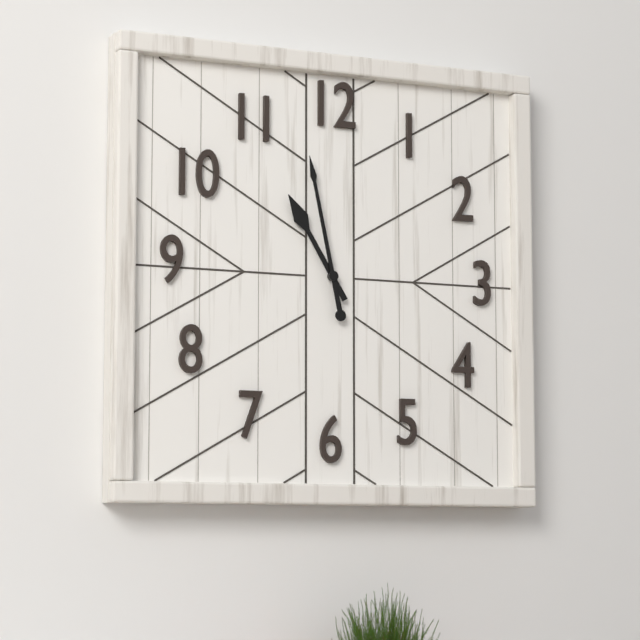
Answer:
h=10 m=58
